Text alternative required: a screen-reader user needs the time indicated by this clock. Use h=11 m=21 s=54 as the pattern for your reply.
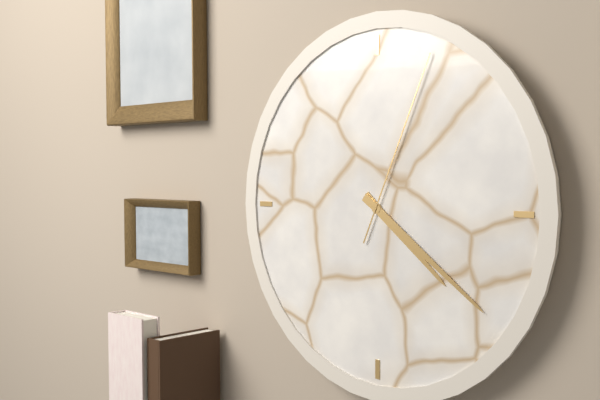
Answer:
h=4 m=21 s=4
